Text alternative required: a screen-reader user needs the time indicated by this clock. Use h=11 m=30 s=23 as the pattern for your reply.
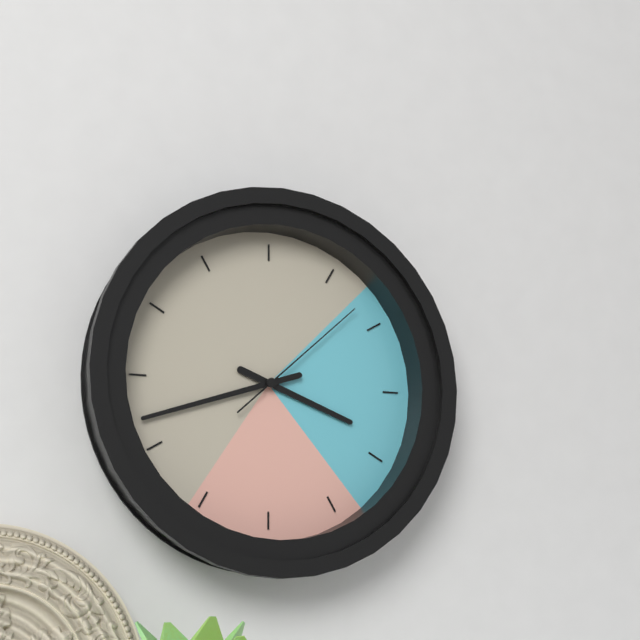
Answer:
h=3 m=42 s=8
